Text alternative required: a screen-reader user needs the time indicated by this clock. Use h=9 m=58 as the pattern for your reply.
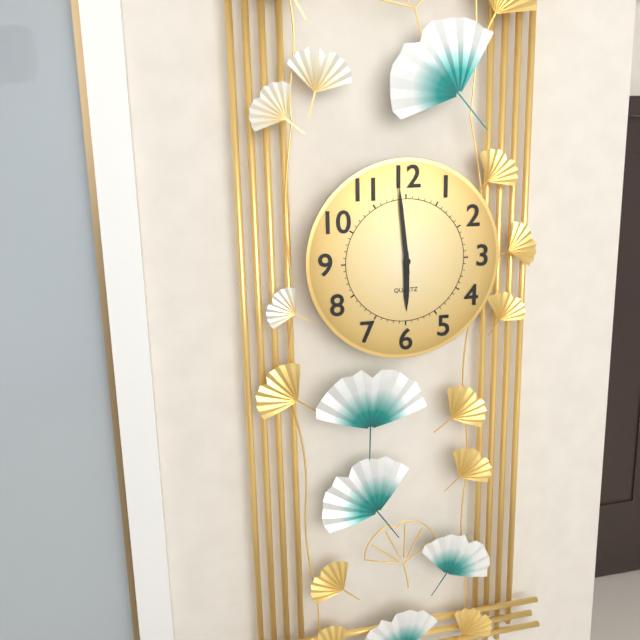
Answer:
h=5 m=59
